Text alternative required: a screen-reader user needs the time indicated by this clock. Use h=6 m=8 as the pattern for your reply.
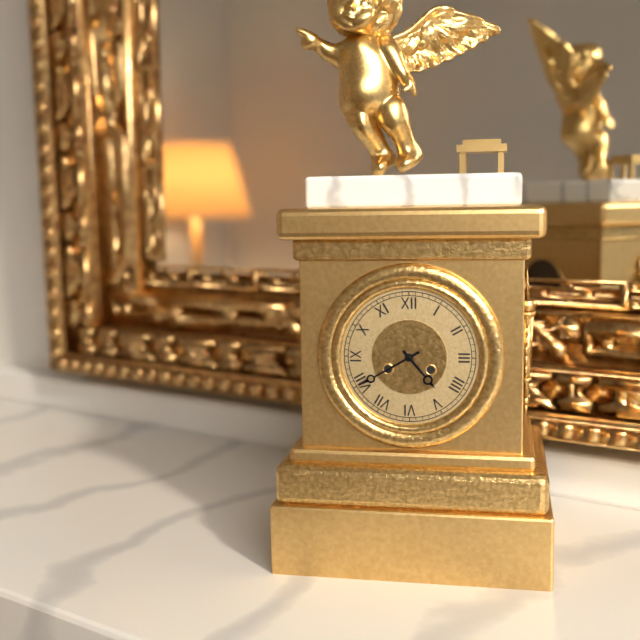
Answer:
h=4 m=40
